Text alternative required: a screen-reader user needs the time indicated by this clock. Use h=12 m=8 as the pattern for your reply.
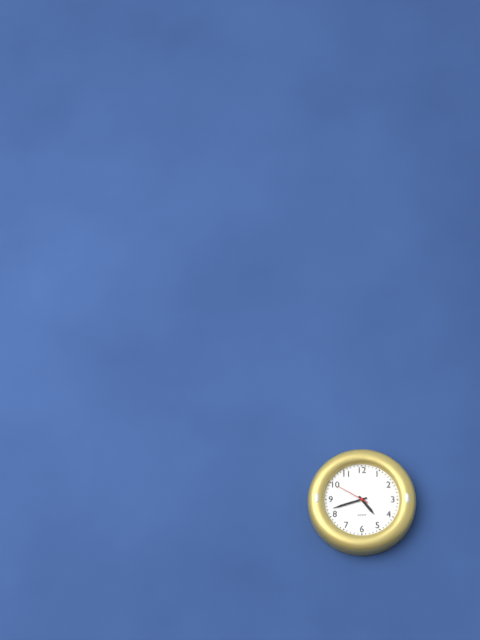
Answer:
h=4 m=42
